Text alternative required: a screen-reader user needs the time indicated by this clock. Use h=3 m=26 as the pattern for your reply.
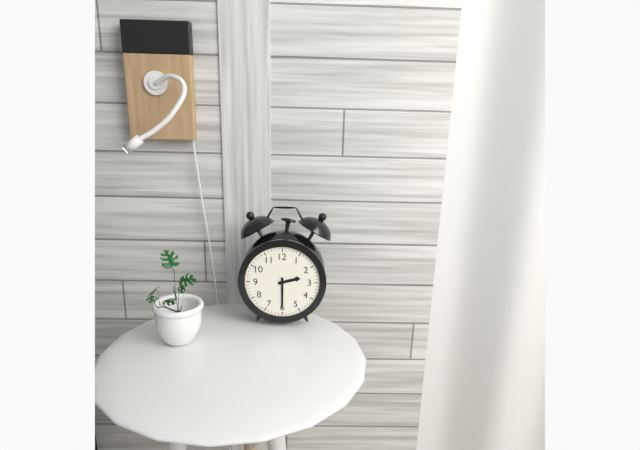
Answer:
h=2 m=30
